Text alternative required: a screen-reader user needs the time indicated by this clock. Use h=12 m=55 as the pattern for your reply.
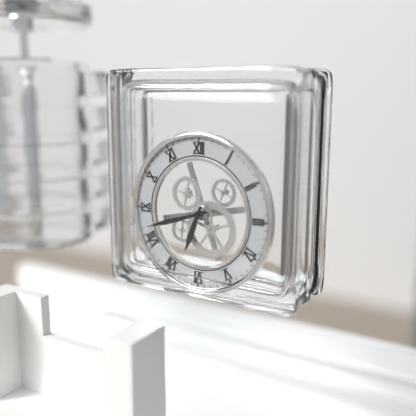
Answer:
h=6 m=42
